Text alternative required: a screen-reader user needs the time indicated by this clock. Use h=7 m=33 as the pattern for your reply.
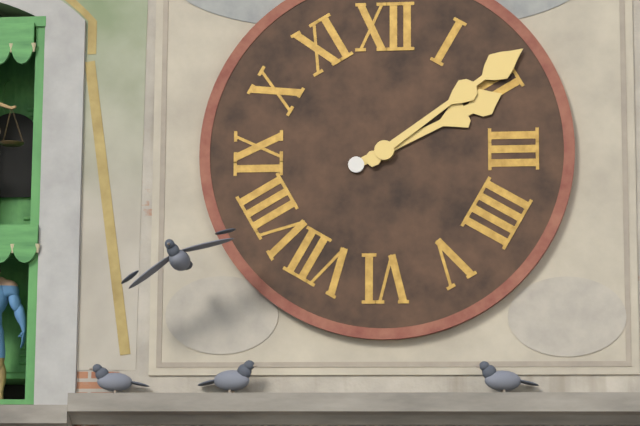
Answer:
h=2 m=9
